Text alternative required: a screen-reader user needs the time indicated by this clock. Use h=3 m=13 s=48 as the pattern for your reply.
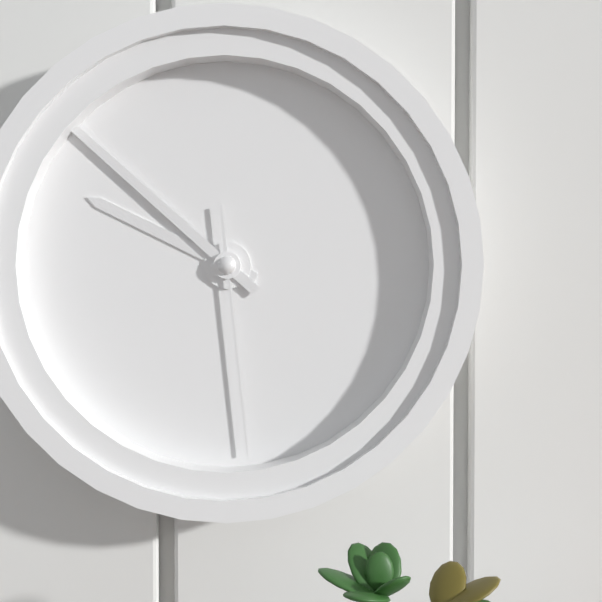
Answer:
h=9 m=52 s=29
